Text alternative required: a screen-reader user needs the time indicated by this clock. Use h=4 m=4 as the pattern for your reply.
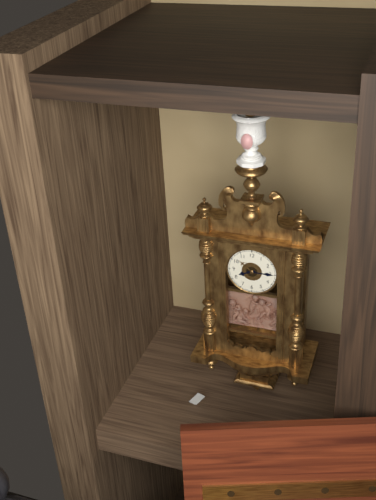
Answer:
h=8 m=15
